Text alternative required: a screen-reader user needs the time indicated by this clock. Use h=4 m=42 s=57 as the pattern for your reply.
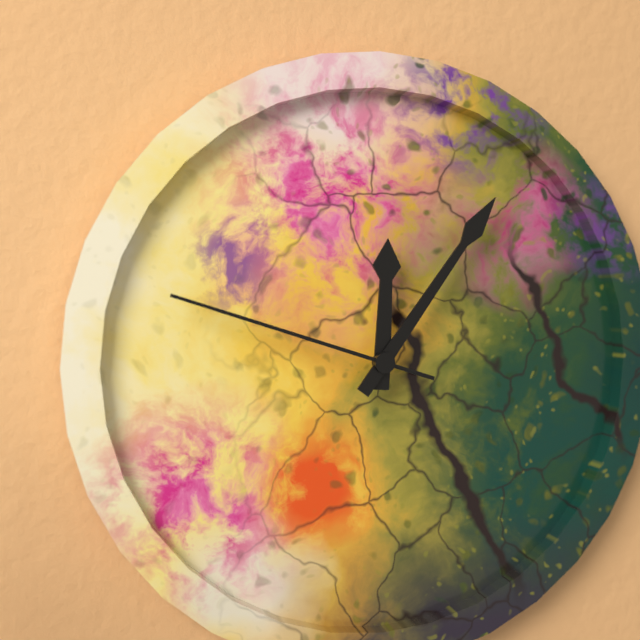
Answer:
h=12 m=6 s=48
